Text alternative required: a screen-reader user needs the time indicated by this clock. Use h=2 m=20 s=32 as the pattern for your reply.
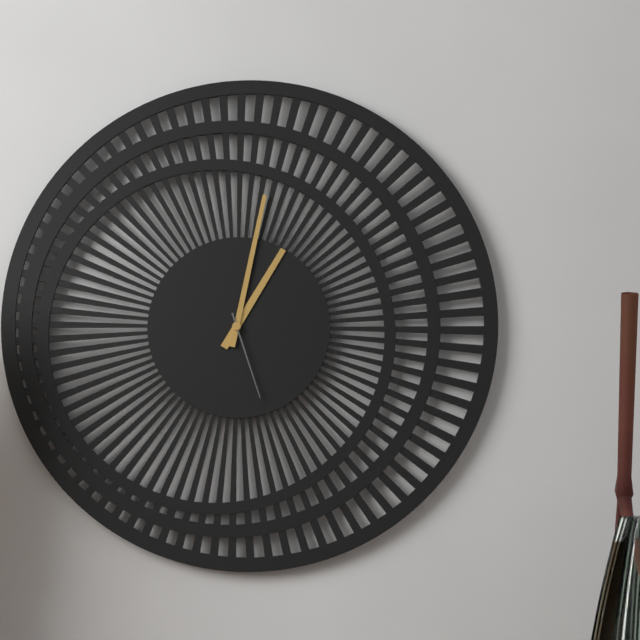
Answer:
h=1 m=2 s=27
